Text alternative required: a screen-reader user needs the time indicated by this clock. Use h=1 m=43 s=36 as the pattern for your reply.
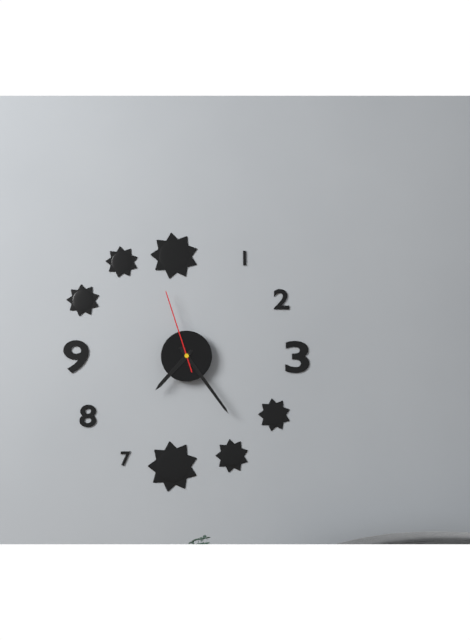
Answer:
h=7 m=24 s=57
